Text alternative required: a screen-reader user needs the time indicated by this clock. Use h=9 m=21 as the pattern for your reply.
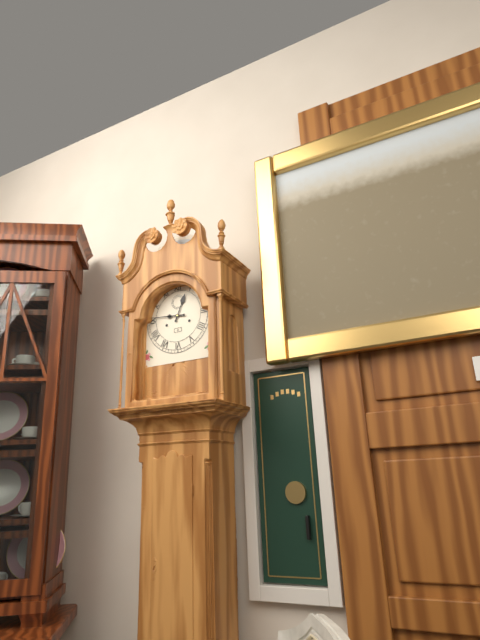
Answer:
h=12 m=46
